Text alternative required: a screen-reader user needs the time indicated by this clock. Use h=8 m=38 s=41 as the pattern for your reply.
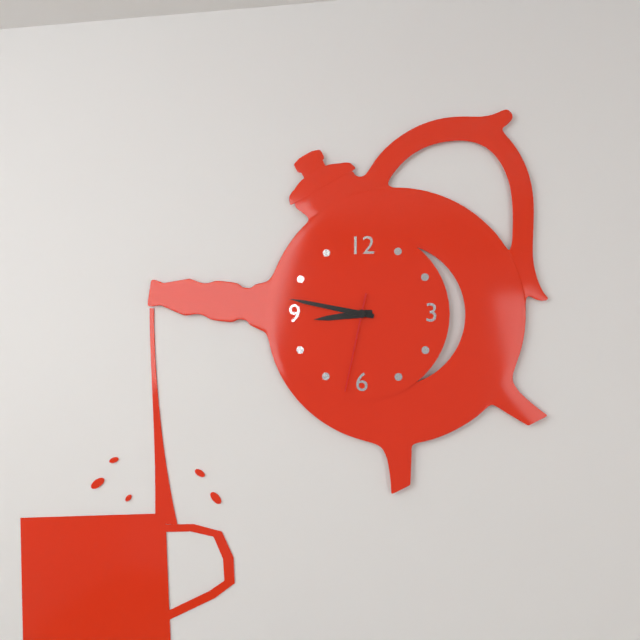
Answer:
h=8 m=47 s=32
